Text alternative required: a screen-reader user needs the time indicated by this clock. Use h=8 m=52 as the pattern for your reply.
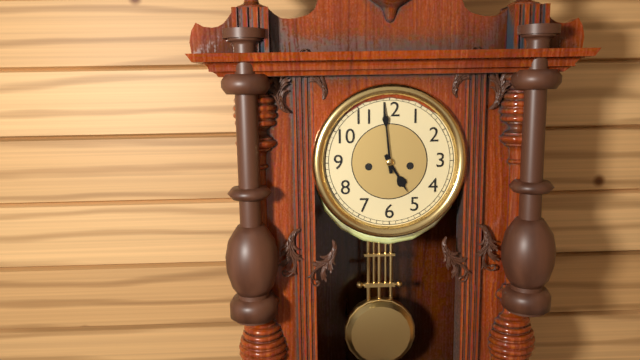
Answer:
h=4 m=59
